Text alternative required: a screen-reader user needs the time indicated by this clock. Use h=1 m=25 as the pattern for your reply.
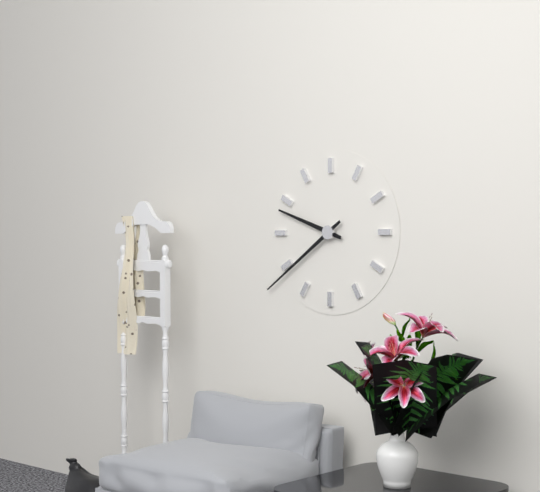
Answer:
h=9 m=39
